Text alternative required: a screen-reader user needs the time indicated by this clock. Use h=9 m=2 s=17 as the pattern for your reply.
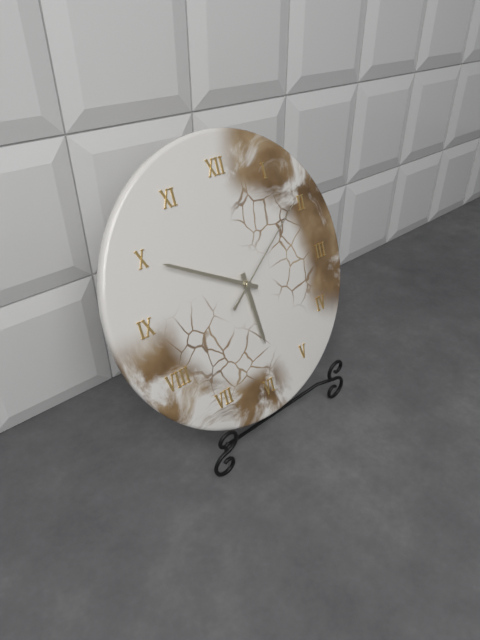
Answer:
h=5 m=50 s=9
